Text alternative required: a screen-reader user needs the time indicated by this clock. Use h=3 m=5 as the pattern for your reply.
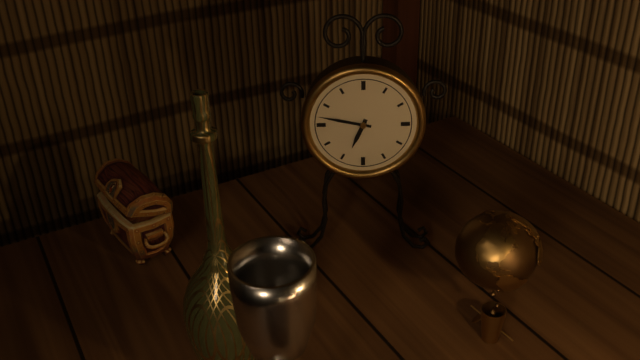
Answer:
h=6 m=47
